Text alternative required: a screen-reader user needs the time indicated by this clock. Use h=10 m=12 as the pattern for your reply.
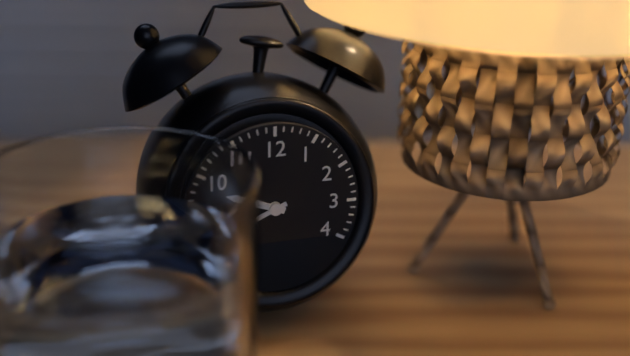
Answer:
h=9 m=41
